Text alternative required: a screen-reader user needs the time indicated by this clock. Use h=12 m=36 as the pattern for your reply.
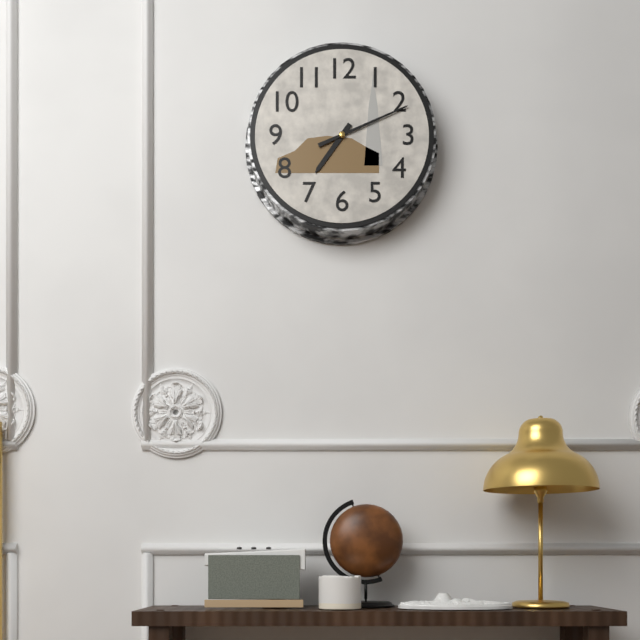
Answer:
h=7 m=11
